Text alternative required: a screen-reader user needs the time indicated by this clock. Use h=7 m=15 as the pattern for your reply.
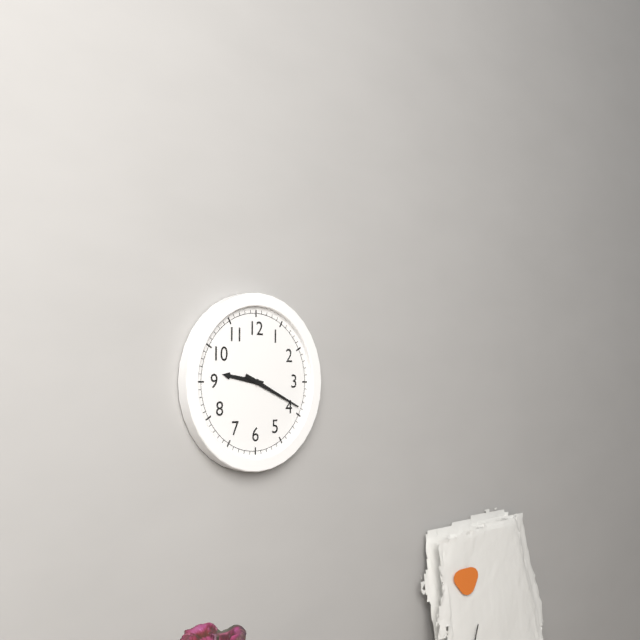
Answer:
h=9 m=19
